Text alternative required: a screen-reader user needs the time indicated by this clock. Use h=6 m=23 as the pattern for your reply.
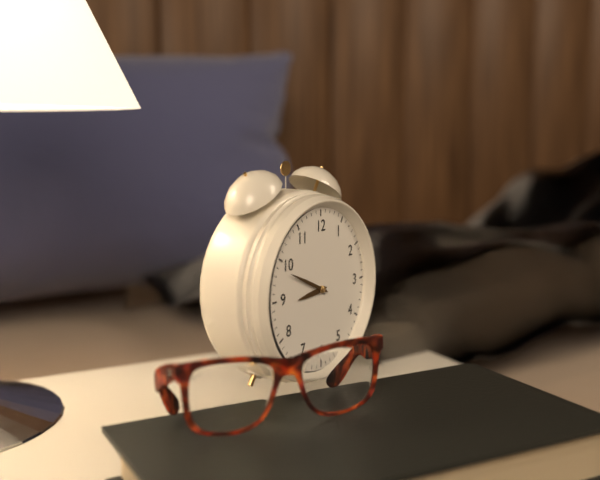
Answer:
h=8 m=49
